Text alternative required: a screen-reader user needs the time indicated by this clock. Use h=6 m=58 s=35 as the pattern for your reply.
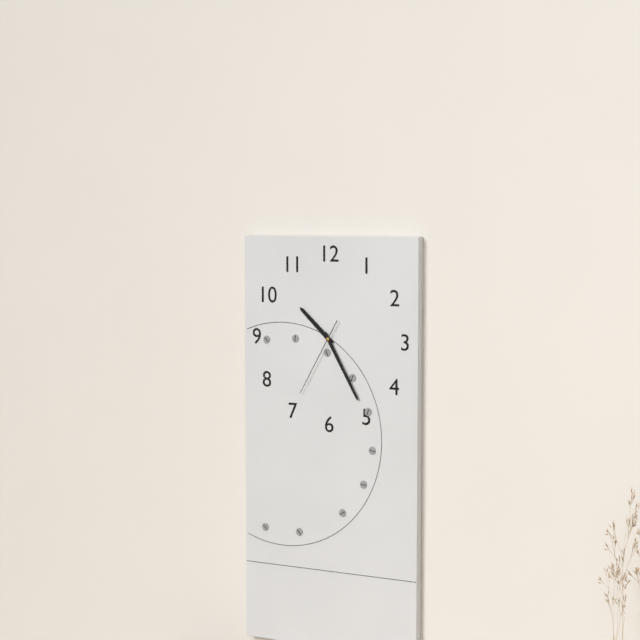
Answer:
h=10 m=25 s=35
